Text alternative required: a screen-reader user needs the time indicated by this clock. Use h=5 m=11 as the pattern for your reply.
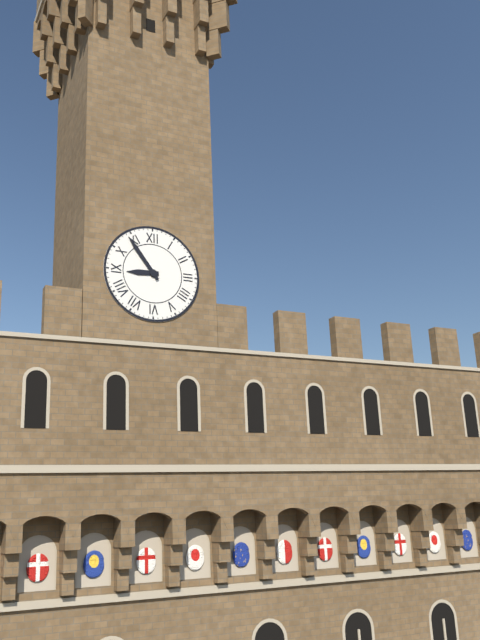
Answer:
h=8 m=54
